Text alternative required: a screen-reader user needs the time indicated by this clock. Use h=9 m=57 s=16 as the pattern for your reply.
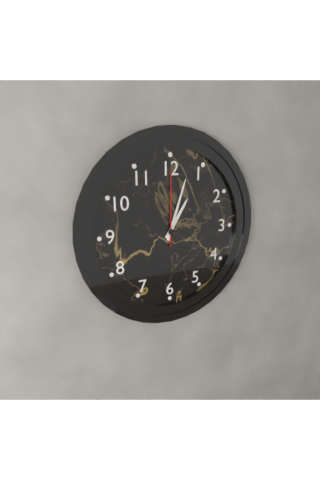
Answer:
h=1 m=3 s=0
